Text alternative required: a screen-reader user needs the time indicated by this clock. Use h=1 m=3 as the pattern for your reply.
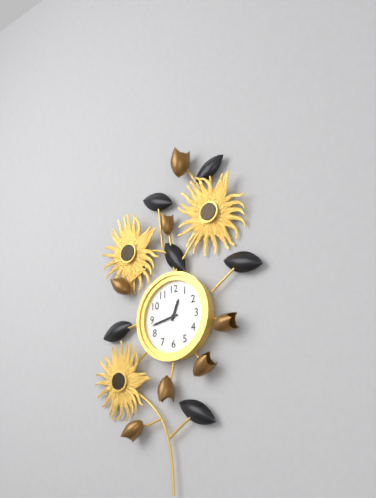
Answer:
h=12 m=43
